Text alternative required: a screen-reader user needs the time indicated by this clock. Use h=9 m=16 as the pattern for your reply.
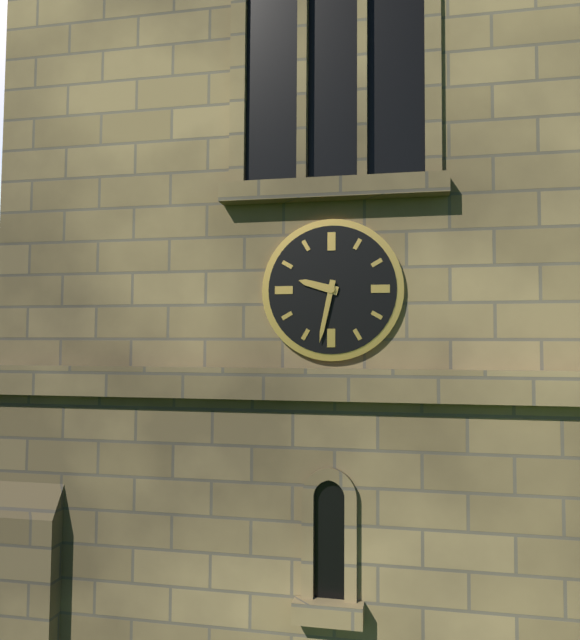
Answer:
h=9 m=32
